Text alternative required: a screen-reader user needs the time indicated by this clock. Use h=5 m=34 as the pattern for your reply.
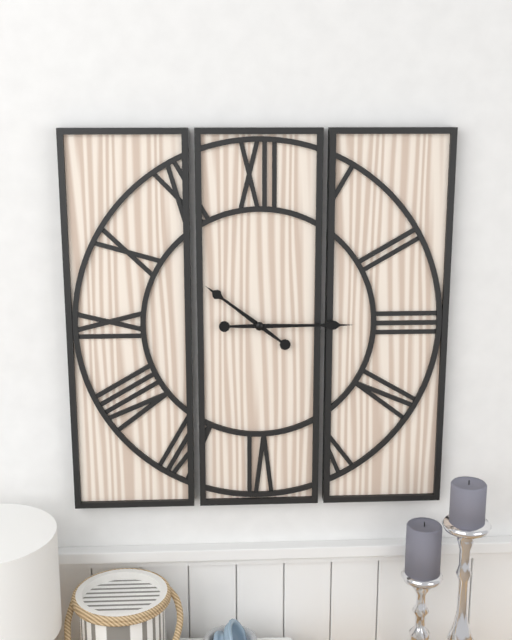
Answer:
h=10 m=15
